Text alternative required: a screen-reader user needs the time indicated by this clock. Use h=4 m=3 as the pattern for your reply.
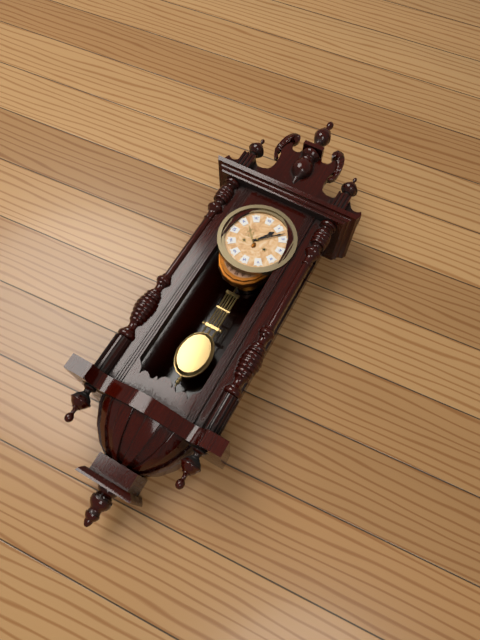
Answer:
h=1 m=8
